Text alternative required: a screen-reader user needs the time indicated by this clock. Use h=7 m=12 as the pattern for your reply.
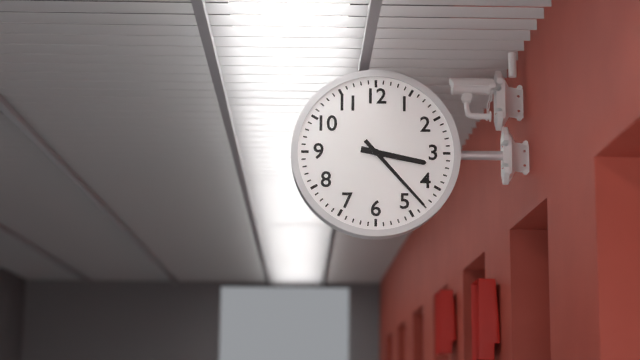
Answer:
h=3 m=23
